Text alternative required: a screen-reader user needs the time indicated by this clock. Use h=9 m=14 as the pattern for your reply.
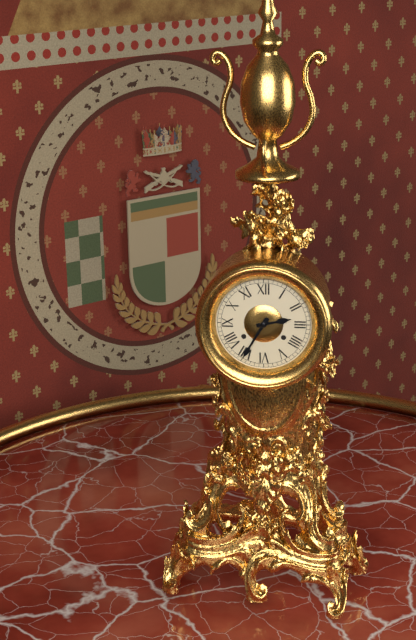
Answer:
h=2 m=35
